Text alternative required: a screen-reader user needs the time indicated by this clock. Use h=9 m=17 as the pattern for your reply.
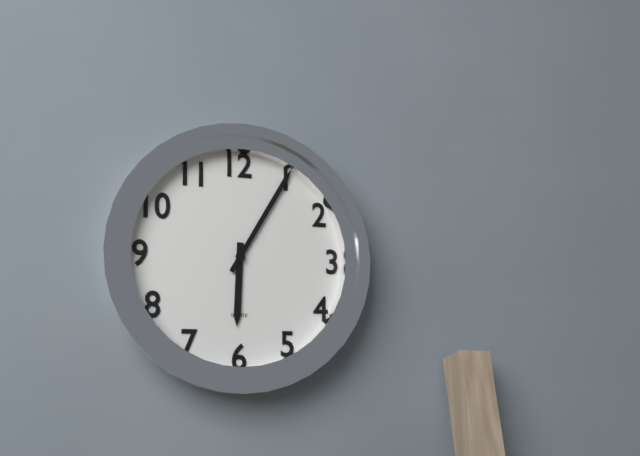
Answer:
h=6 m=5
